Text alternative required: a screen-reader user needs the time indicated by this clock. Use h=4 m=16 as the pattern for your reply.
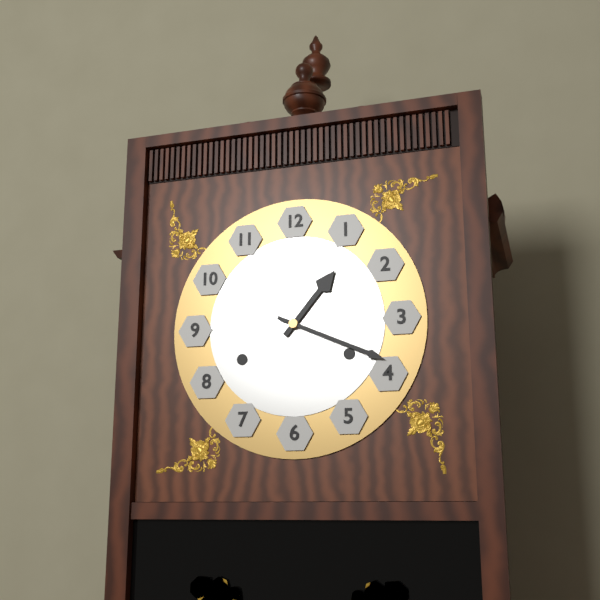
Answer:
h=1 m=19
